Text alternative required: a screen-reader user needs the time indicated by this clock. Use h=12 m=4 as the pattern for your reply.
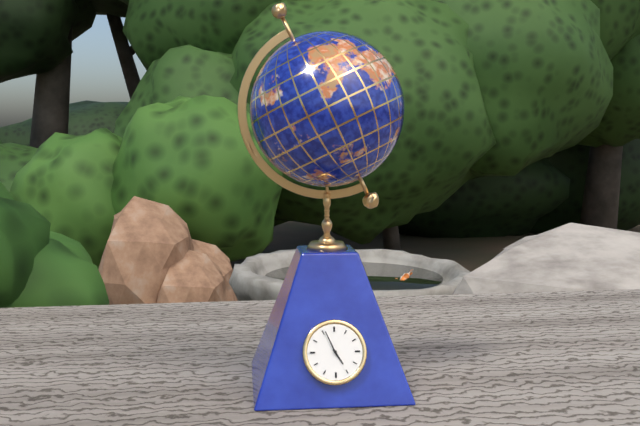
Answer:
h=4 m=56
